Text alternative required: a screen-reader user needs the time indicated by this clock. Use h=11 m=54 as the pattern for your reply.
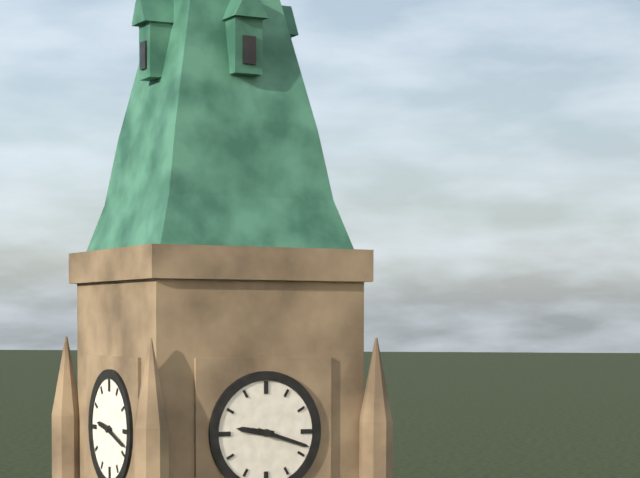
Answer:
h=9 m=18
